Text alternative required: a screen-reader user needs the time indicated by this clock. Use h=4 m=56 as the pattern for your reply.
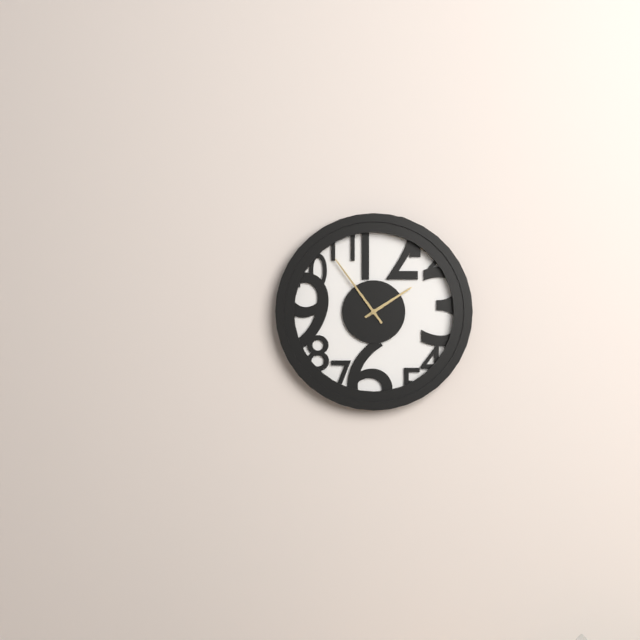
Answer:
h=1 m=54
